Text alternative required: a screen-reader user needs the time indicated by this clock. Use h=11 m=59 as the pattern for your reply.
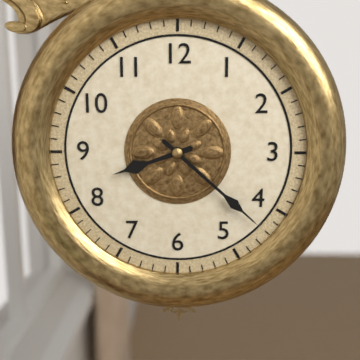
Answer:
h=8 m=22
